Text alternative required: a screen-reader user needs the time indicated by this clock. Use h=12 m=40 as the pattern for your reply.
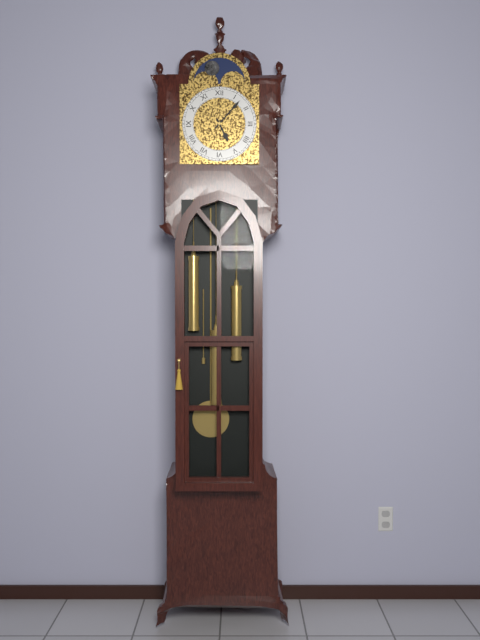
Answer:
h=5 m=7
